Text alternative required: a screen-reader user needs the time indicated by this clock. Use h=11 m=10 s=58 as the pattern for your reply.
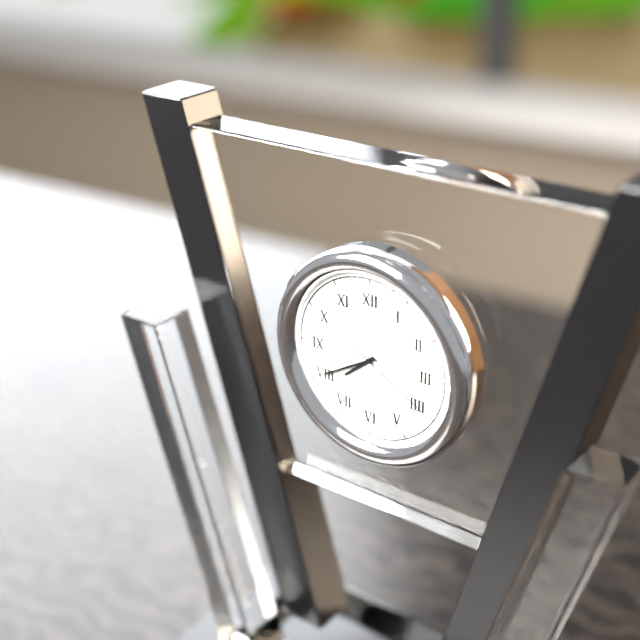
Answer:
h=7 m=40 s=20
